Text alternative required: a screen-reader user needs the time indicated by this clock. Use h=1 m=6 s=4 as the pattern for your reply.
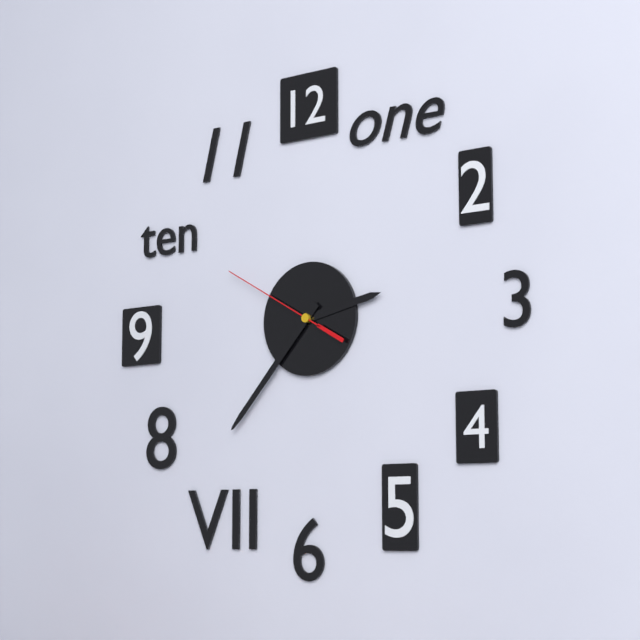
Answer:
h=2 m=37 s=50
